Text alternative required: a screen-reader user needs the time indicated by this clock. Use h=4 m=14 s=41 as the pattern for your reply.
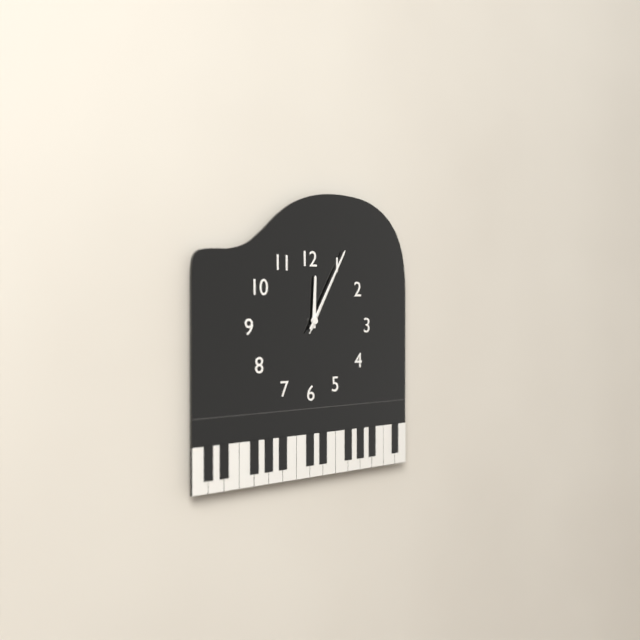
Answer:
h=12 m=5 s=5
